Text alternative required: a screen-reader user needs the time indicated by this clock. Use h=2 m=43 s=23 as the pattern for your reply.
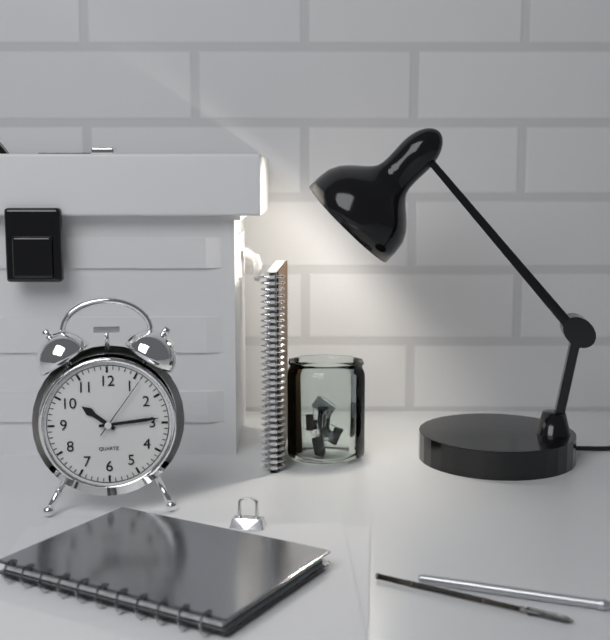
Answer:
h=10 m=14 s=6
